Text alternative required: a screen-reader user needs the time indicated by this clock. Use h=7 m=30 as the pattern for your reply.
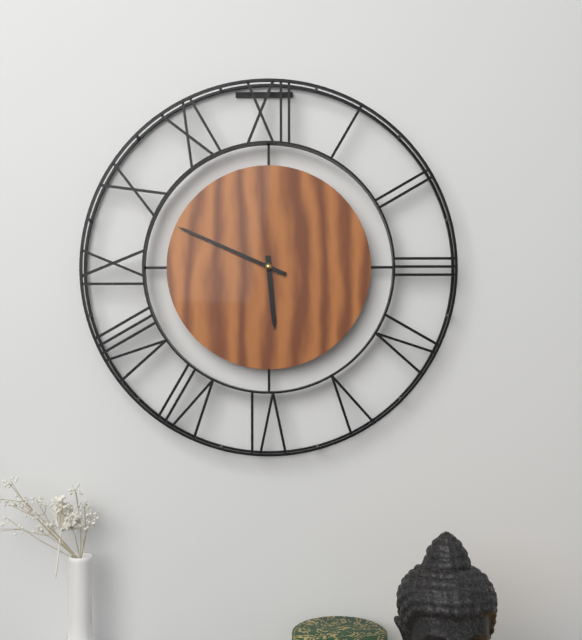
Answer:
h=5 m=49
